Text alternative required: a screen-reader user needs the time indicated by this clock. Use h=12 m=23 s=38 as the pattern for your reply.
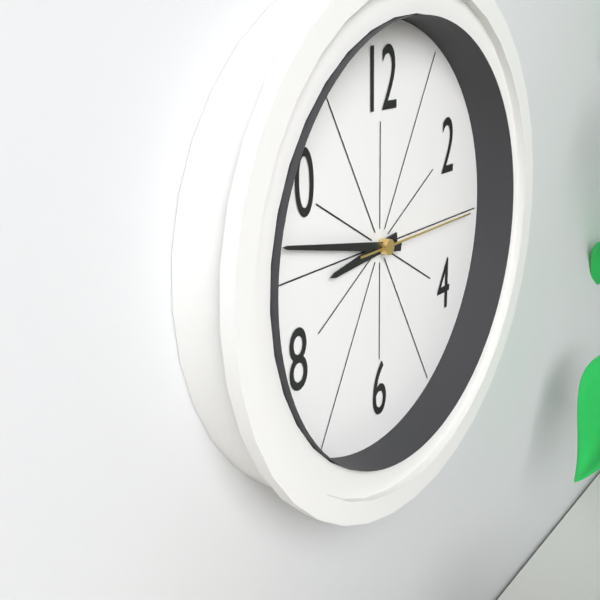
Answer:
h=8 m=47 s=15
